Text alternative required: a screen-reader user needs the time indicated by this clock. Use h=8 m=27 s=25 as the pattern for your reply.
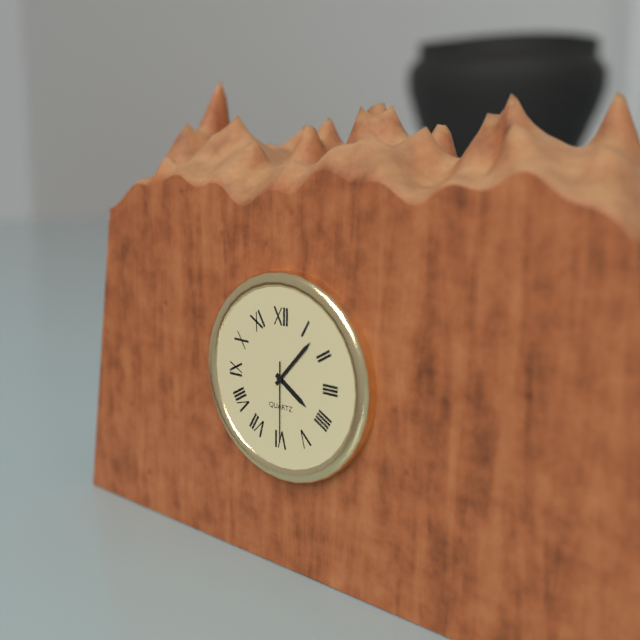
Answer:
h=4 m=7 s=30
